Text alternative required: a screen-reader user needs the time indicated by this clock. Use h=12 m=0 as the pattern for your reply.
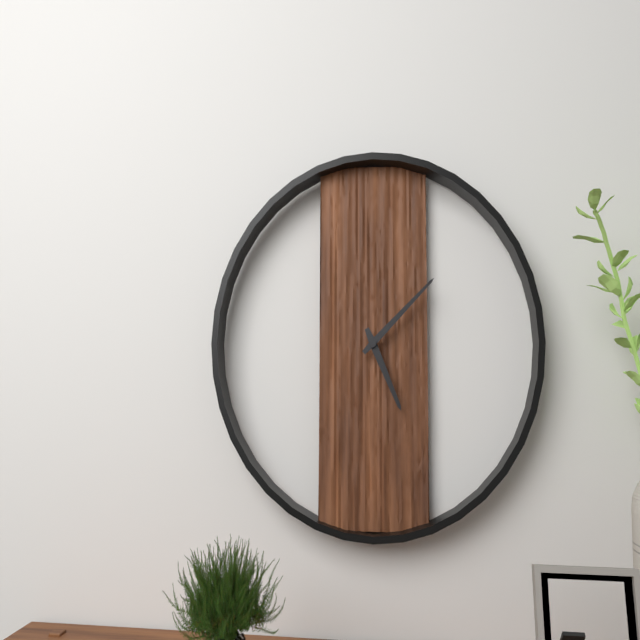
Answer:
h=5 m=8
